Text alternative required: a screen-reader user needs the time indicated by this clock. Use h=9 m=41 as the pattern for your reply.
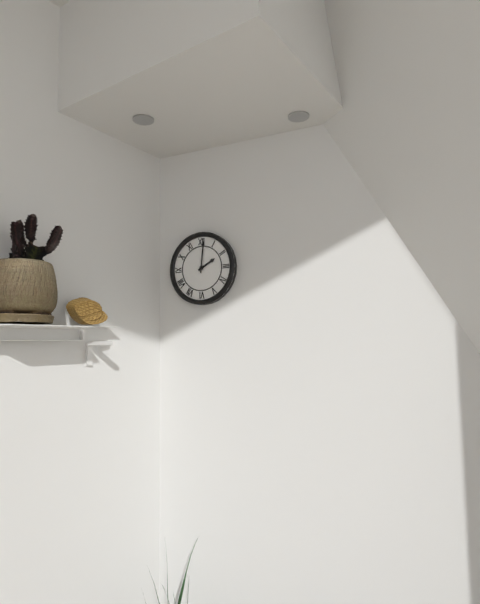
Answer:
h=2 m=1
